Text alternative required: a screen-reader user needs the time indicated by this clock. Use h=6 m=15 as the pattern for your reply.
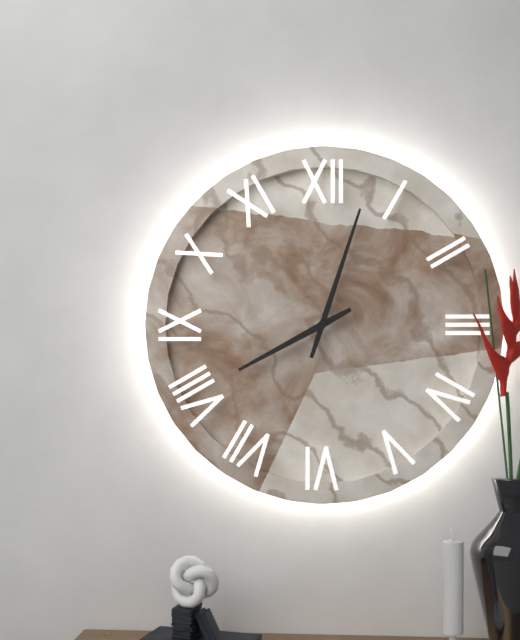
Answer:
h=8 m=3
